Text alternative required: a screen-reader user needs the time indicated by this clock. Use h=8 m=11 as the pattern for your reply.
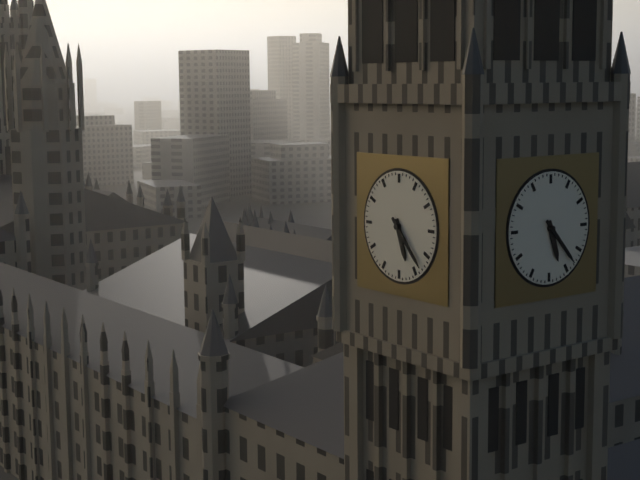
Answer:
h=5 m=23
